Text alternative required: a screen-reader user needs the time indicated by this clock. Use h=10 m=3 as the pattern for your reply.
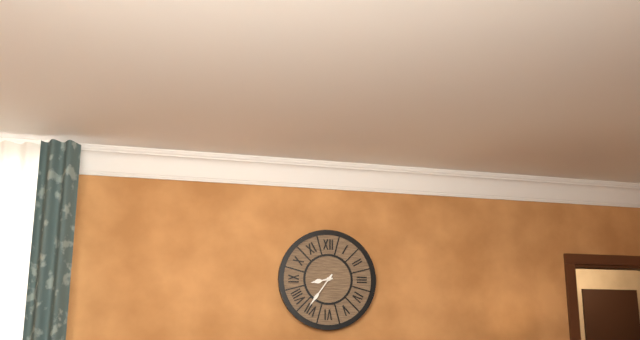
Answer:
h=8 m=36
